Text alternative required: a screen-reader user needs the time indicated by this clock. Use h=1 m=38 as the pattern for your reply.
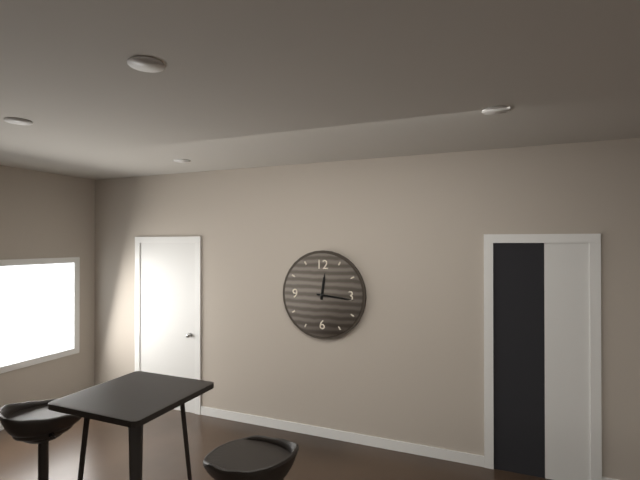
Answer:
h=12 m=16
